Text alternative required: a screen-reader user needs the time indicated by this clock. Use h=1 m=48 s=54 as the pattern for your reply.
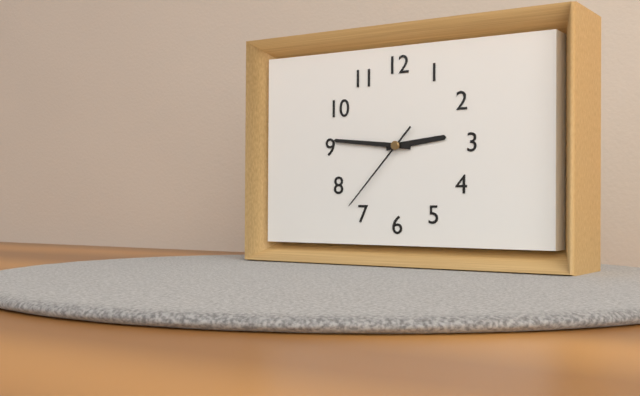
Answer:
h=2 m=46 s=37
